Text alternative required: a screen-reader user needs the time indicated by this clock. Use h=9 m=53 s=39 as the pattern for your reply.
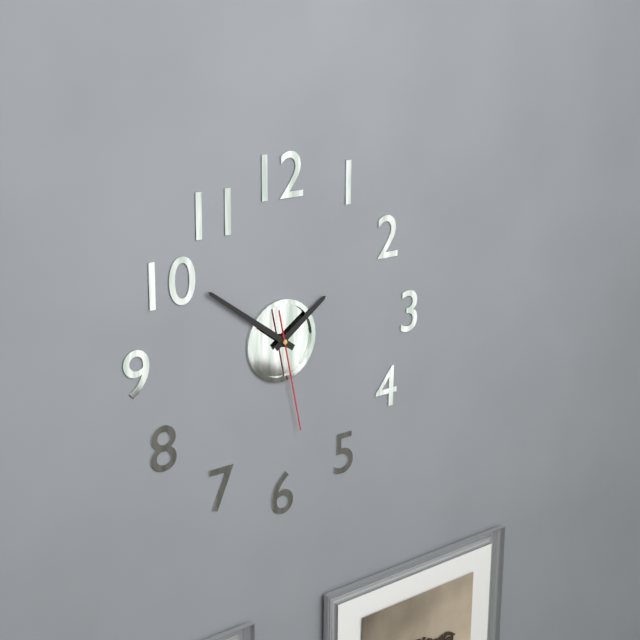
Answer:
h=1 m=51 s=28
